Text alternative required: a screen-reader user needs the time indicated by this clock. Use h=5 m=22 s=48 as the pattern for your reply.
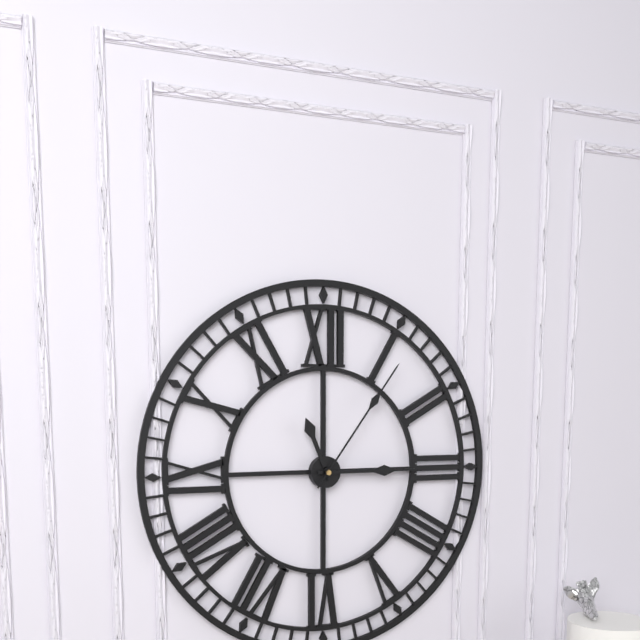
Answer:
h=11 m=15 s=6
